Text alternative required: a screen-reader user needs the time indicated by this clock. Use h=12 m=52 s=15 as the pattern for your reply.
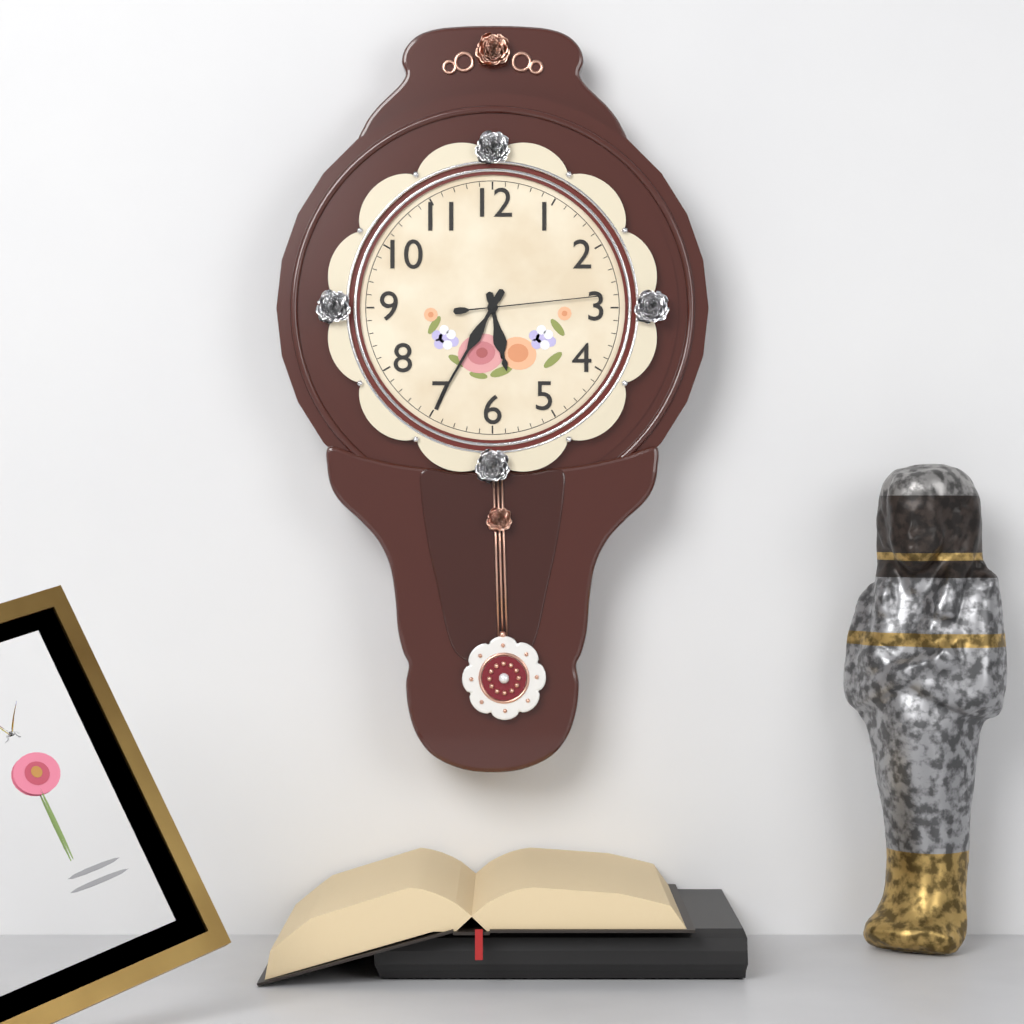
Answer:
h=5 m=35 s=14
